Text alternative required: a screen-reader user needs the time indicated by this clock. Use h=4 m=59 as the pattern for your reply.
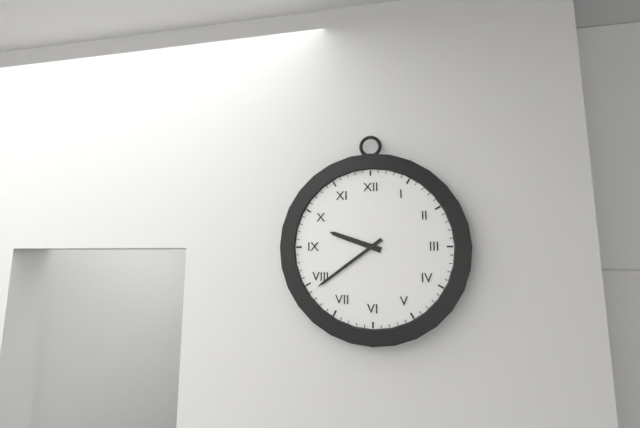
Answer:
h=9 m=39
